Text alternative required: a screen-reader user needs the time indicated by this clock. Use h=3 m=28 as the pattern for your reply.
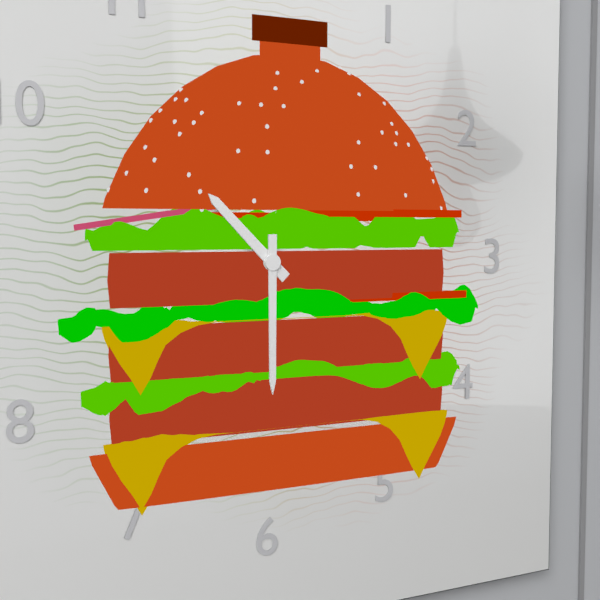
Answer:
h=10 m=30
